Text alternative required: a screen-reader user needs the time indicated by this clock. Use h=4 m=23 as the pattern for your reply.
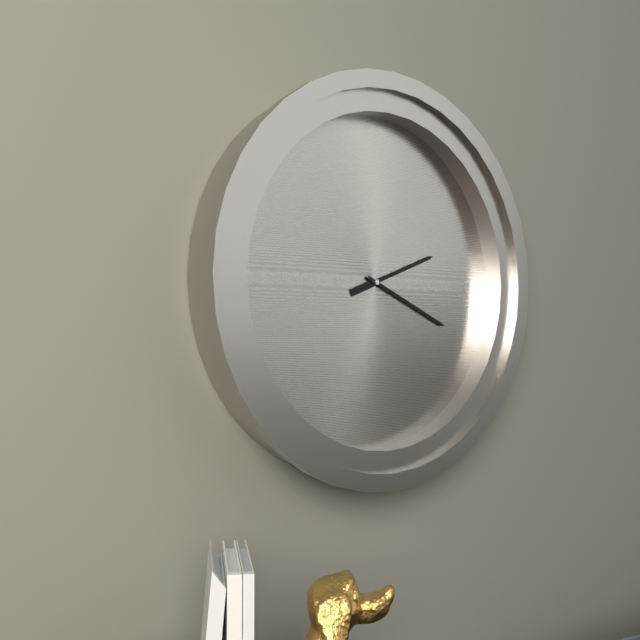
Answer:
h=2 m=19
